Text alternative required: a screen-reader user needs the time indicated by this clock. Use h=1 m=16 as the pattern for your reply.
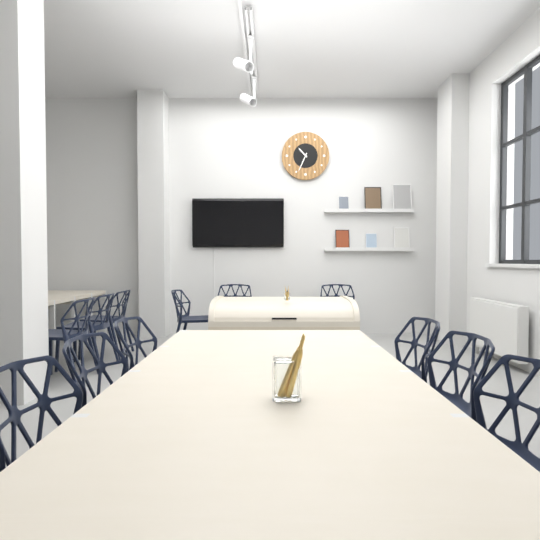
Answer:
h=10 m=34
